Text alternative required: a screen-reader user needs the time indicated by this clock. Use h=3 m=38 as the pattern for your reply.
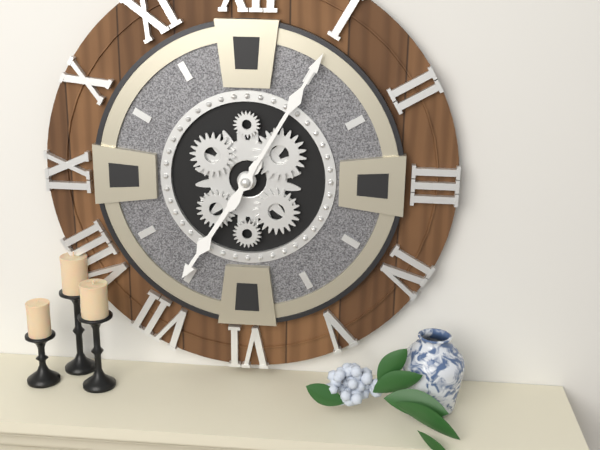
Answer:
h=7 m=5
